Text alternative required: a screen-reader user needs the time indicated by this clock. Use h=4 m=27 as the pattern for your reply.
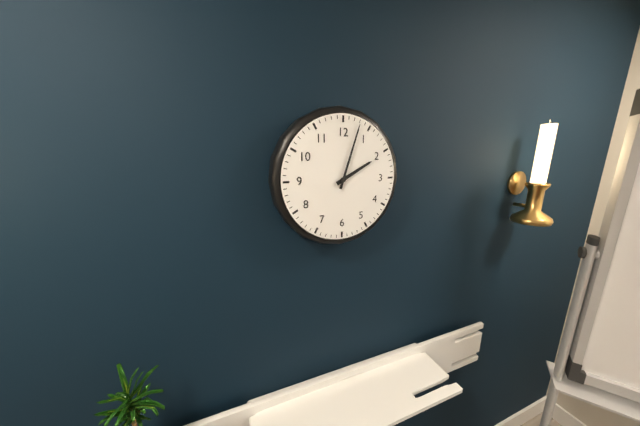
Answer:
h=2 m=3
